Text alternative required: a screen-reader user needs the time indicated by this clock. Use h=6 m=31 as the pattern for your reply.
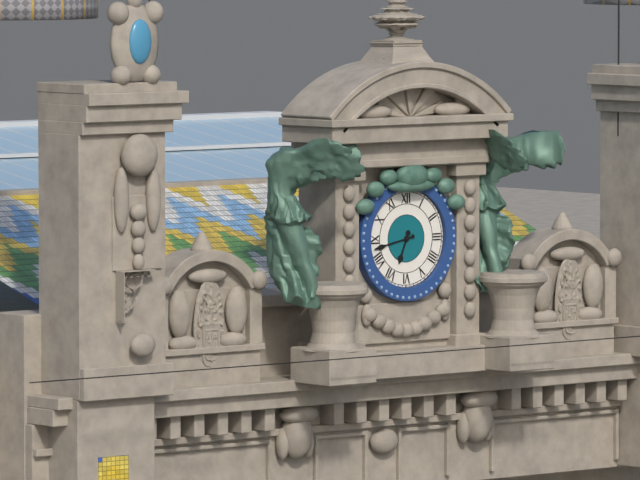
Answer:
h=6 m=43
